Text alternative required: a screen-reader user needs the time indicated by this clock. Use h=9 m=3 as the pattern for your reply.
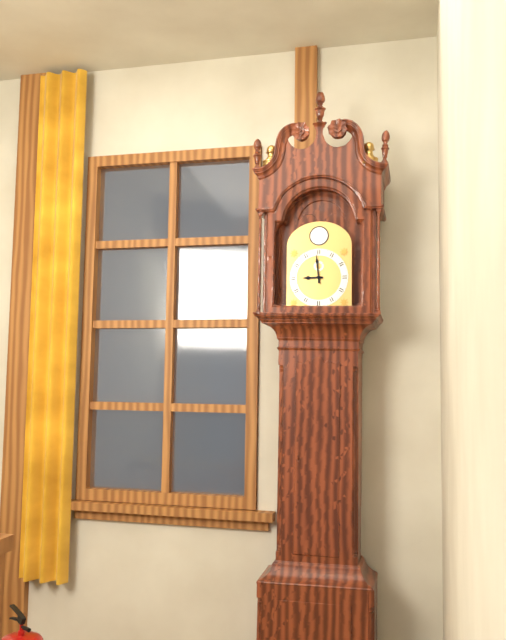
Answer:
h=8 m=59
